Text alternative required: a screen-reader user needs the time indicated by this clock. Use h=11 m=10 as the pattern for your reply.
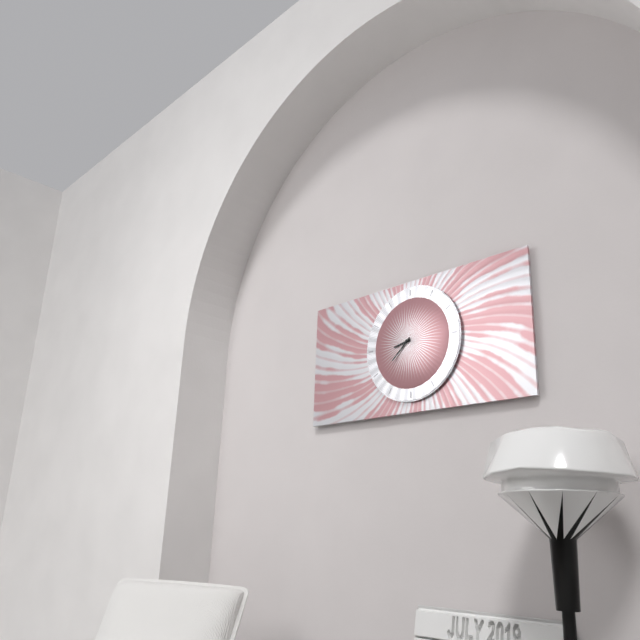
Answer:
h=8 m=38
